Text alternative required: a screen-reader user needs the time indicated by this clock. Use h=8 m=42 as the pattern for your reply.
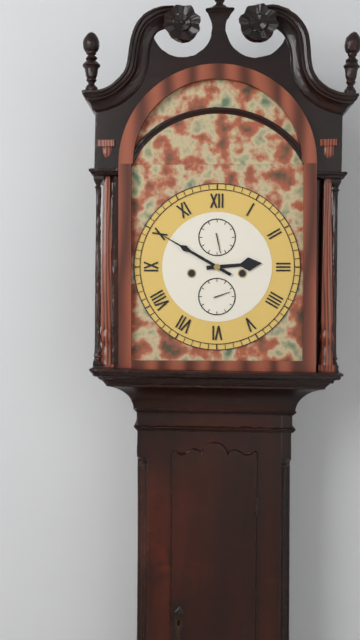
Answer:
h=2 m=50
